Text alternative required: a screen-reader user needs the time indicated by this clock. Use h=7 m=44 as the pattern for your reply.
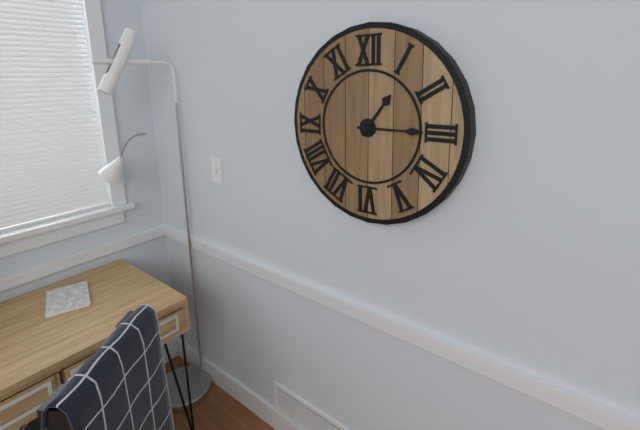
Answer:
h=1 m=15
